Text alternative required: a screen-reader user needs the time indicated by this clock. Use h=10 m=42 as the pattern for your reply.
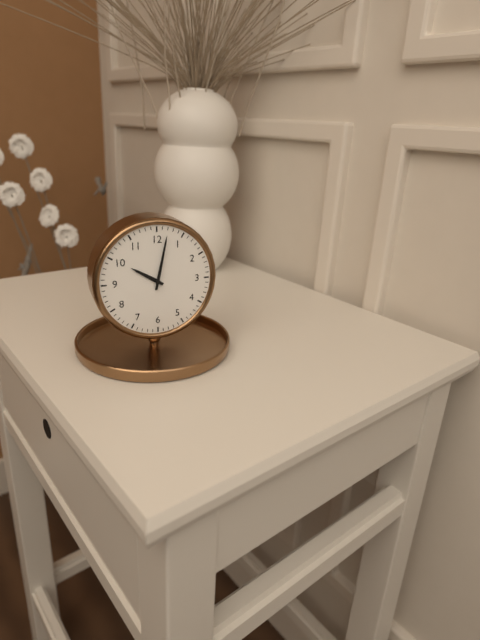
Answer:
h=10 m=2
